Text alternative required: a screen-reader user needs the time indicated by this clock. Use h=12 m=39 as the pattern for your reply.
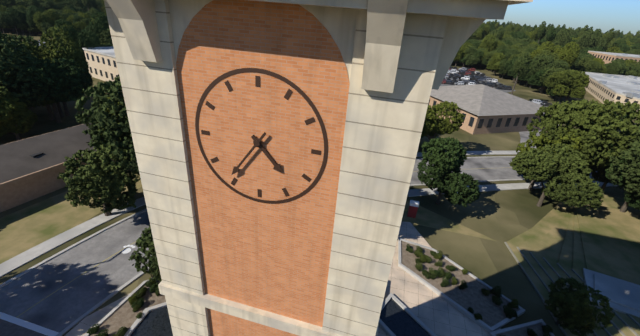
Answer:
h=4 m=36
